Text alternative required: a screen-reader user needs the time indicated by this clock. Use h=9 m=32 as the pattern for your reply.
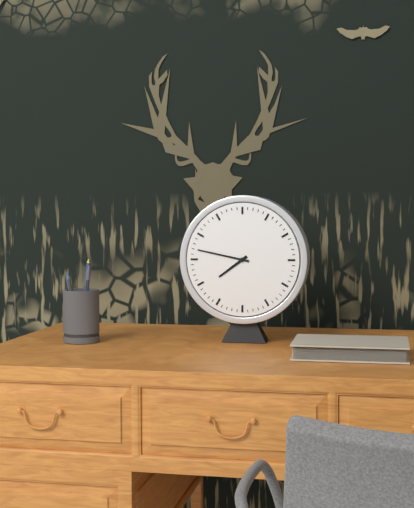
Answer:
h=7 m=47
